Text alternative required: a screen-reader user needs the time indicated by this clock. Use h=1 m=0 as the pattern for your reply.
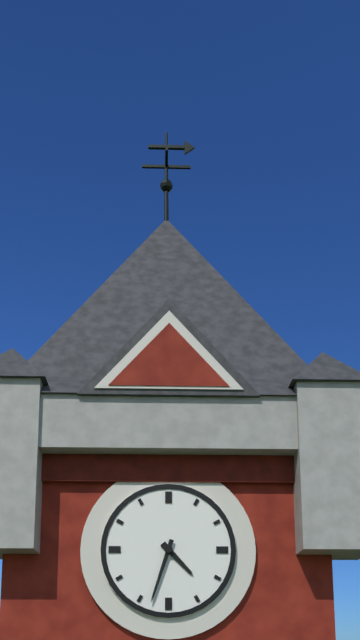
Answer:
h=4 m=33
